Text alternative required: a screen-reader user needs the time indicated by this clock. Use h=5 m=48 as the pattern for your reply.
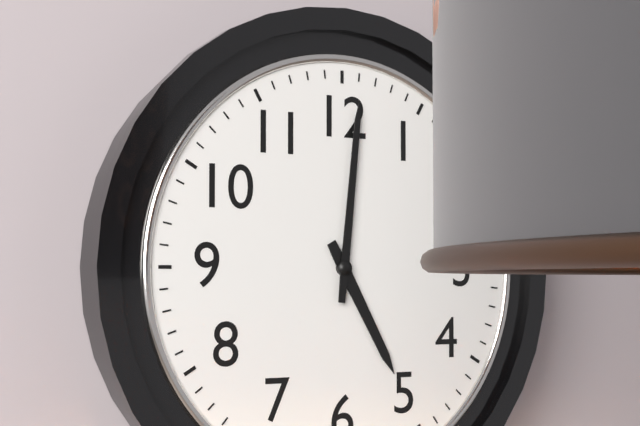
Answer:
h=5 m=1
